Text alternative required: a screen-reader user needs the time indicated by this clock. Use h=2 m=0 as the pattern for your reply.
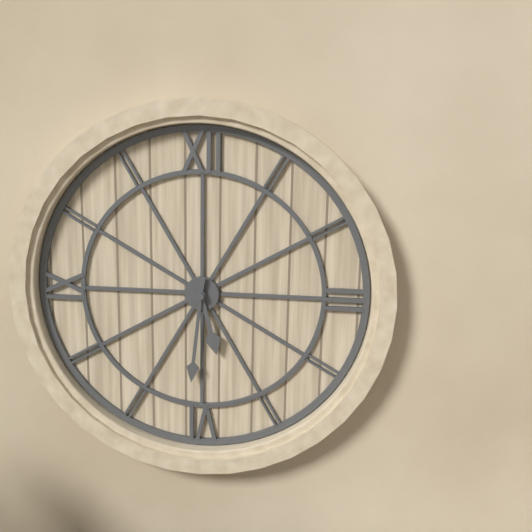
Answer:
h=5 m=31
